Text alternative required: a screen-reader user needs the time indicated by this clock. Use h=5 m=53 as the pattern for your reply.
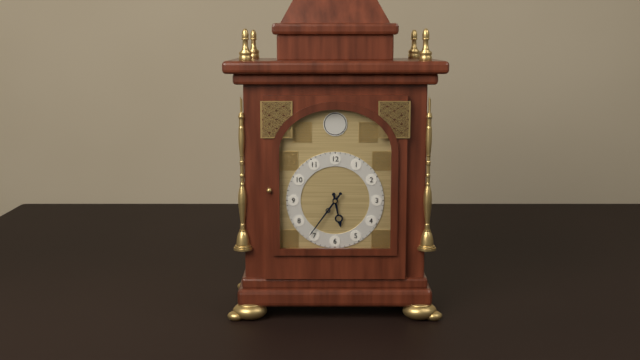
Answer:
h=5 m=36
